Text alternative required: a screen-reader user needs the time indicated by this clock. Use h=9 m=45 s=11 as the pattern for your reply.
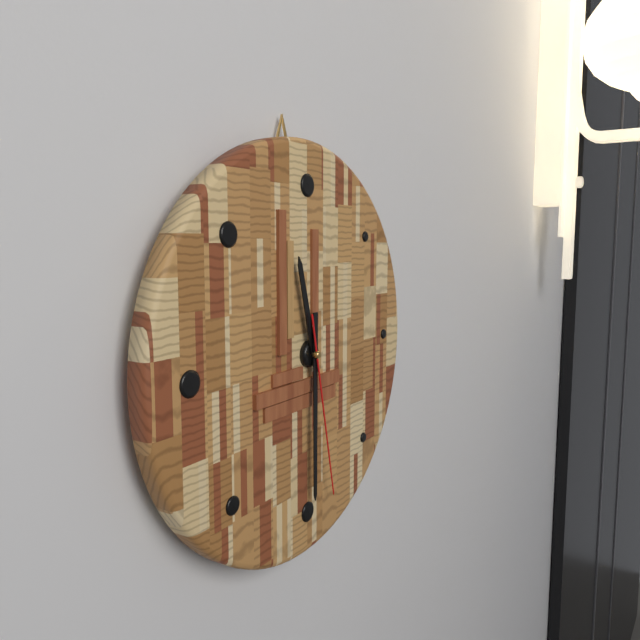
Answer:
h=11 m=30 s=28
